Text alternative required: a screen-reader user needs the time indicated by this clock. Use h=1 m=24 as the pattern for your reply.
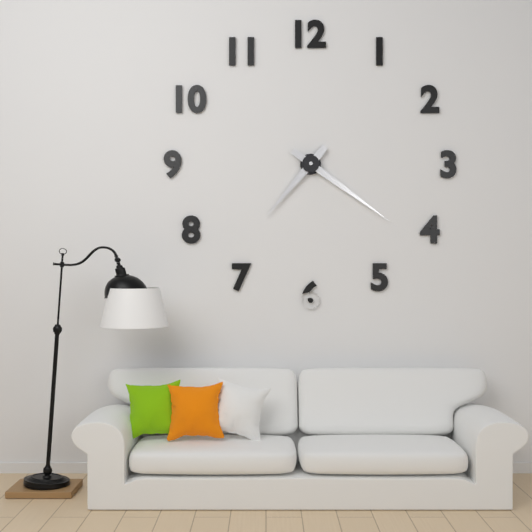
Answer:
h=7 m=21
